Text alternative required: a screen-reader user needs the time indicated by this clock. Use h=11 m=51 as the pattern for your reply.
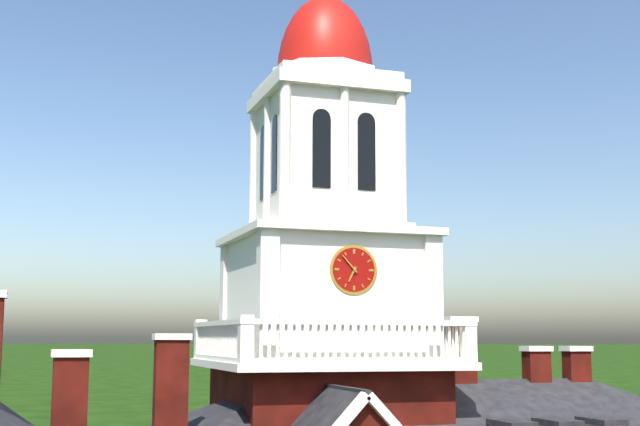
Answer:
h=6 m=53
